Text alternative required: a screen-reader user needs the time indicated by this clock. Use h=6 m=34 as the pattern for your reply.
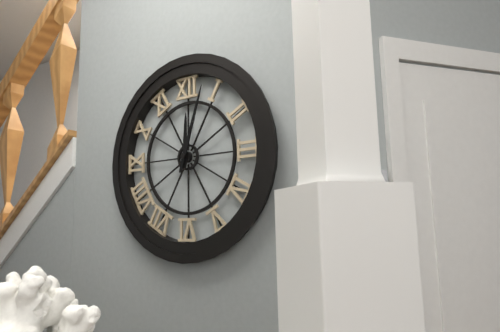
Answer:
h=12 m=3
